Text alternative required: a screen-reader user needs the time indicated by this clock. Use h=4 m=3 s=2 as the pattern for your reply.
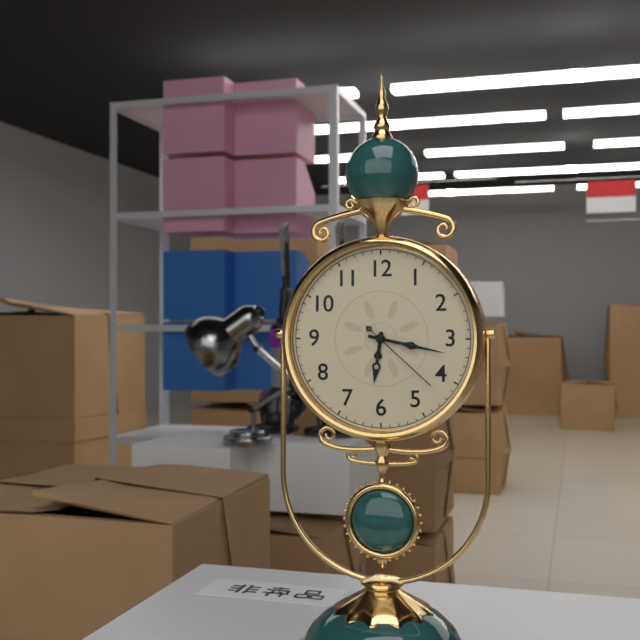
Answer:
h=6 m=17 s=22
